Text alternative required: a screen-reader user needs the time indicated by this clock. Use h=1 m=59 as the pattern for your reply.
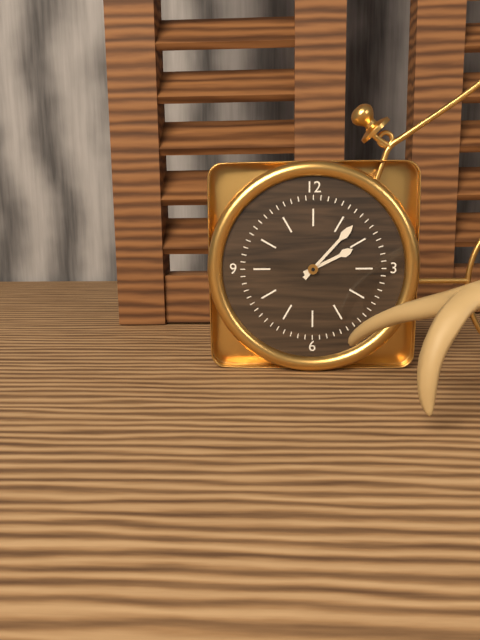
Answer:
h=2 m=7
